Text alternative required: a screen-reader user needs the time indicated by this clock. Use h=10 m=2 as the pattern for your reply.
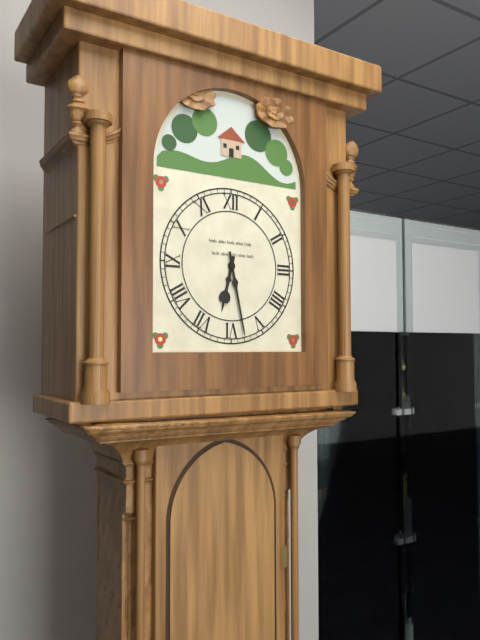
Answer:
h=6 m=28
